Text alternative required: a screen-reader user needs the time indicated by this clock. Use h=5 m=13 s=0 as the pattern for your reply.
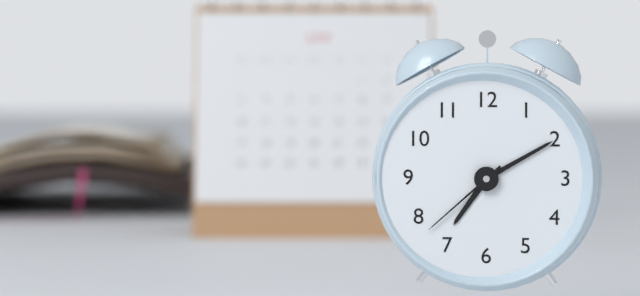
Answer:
h=7 m=10 s=38
